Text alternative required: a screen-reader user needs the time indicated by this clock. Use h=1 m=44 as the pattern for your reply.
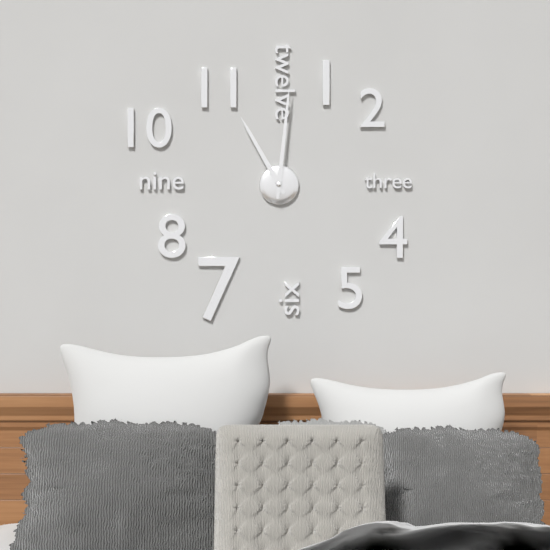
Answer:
h=11 m=1
